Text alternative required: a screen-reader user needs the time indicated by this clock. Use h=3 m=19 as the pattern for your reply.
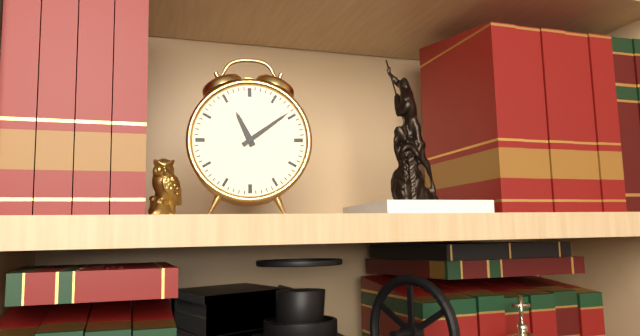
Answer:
h=11 m=9
